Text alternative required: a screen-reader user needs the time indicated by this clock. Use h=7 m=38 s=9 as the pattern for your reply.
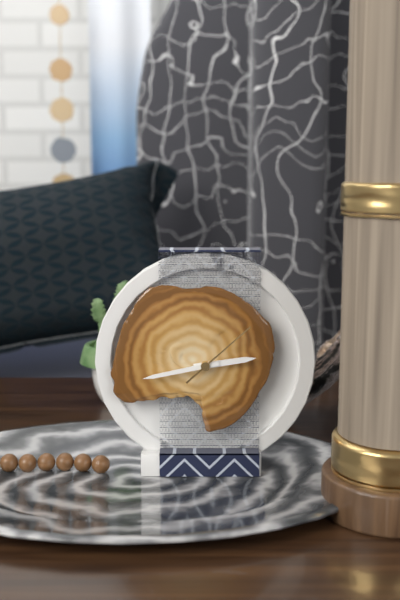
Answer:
h=2 m=43 s=8
